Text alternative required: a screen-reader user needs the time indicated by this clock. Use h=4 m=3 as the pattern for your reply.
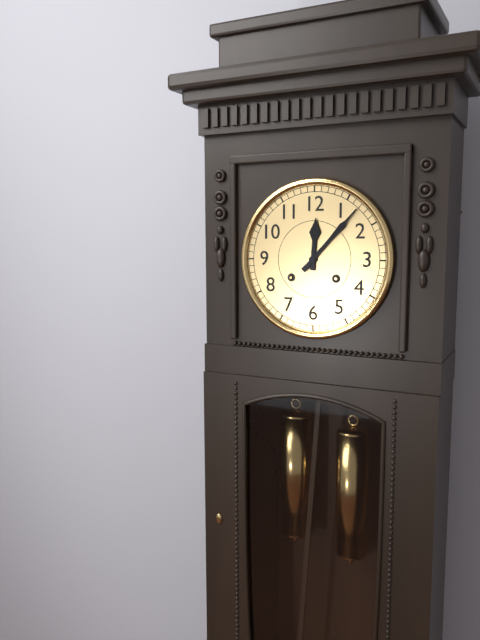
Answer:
h=12 m=7
